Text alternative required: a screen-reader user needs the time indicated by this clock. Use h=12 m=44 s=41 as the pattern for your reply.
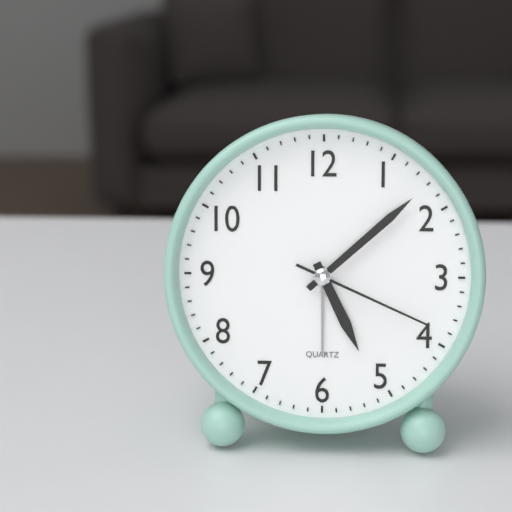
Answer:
h=5 m=8 s=19
